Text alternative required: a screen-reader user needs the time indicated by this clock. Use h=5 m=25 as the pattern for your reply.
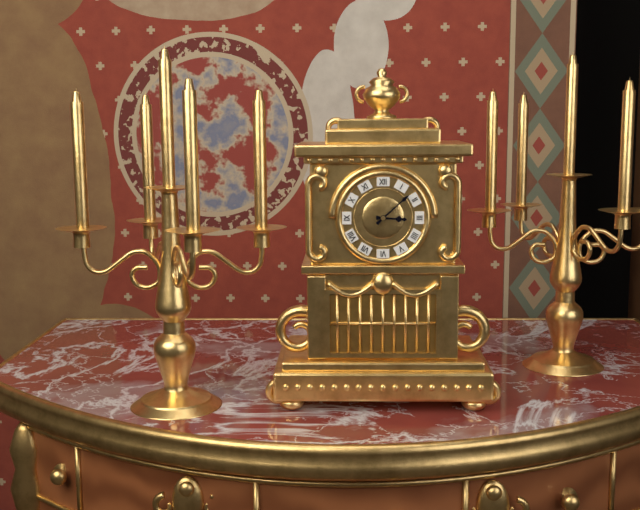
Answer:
h=3 m=8
